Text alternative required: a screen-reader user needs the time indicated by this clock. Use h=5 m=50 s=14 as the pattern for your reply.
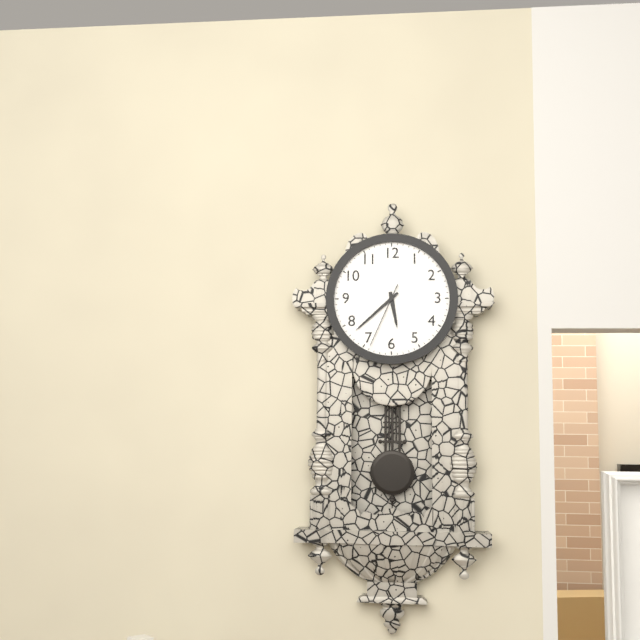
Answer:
h=5 m=38 s=34
